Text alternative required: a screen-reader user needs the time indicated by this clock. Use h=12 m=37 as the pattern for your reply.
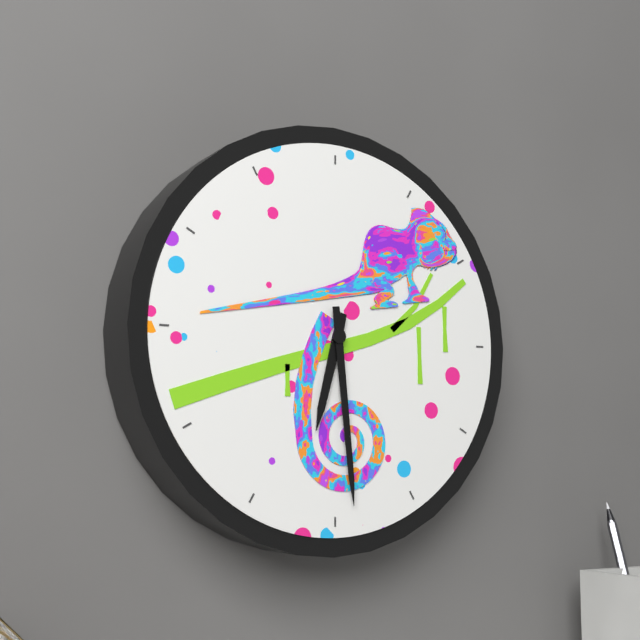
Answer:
h=6 m=29
